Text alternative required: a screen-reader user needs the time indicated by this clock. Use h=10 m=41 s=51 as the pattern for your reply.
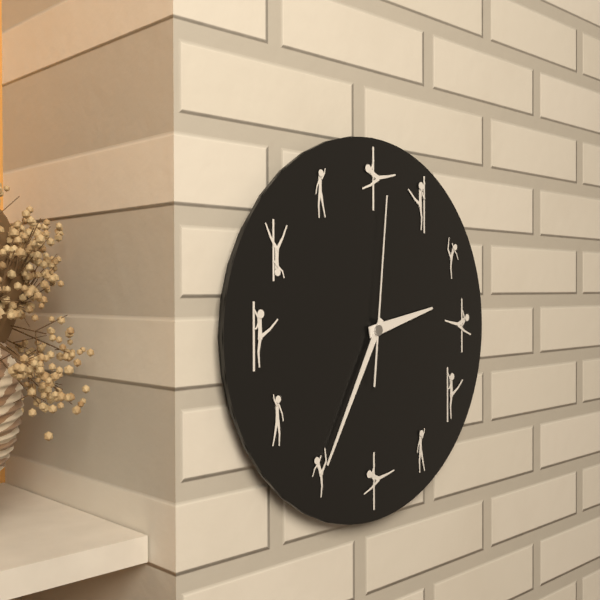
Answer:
h=2 m=35 s=1
